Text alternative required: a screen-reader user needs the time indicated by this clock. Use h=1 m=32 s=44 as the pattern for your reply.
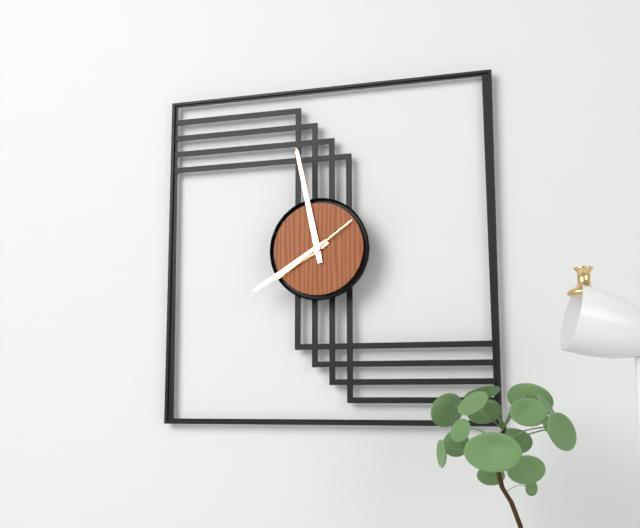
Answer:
h=7 m=58 s=39
